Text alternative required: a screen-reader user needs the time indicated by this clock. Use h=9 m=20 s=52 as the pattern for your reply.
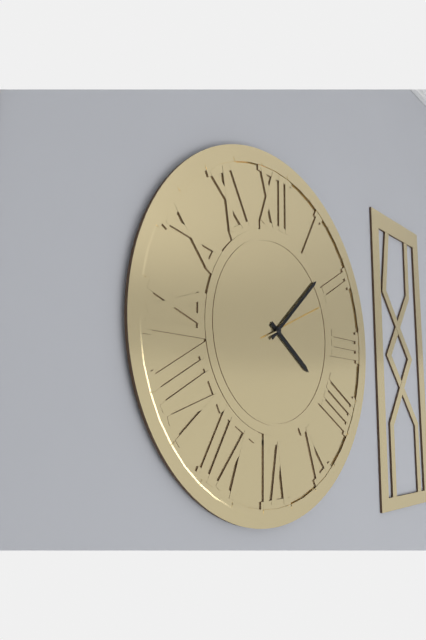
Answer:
h=4 m=8 s=11
